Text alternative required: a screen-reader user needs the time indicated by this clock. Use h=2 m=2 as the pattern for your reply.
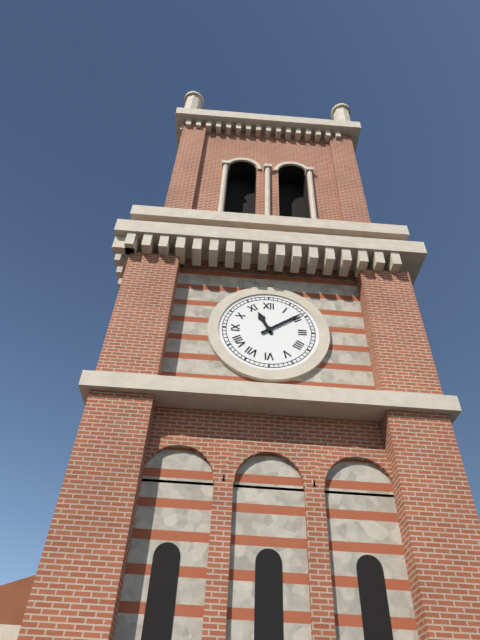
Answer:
h=11 m=9
